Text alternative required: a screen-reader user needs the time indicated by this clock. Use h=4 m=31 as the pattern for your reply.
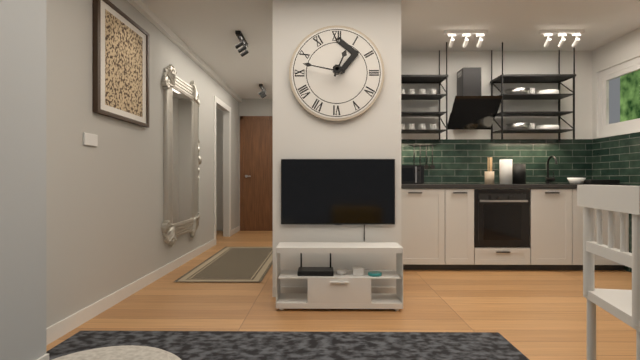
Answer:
h=12 m=47
